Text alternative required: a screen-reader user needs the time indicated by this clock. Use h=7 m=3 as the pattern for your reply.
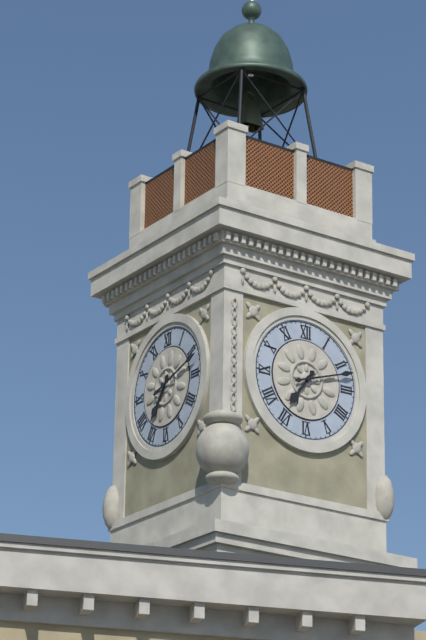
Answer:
h=7 m=12
